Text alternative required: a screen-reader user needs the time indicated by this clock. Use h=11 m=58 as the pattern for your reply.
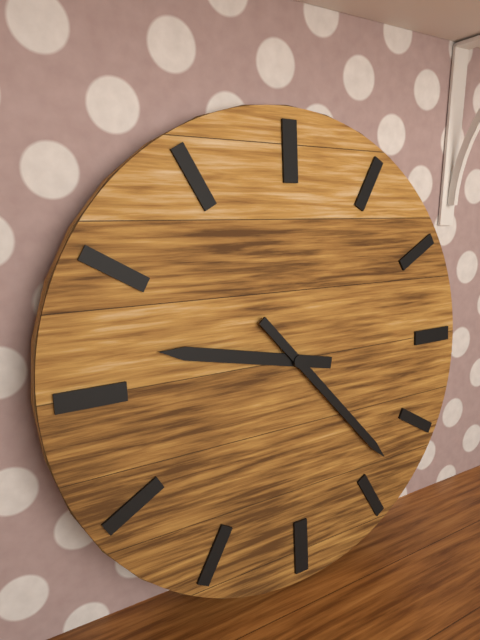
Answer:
h=9 m=23
